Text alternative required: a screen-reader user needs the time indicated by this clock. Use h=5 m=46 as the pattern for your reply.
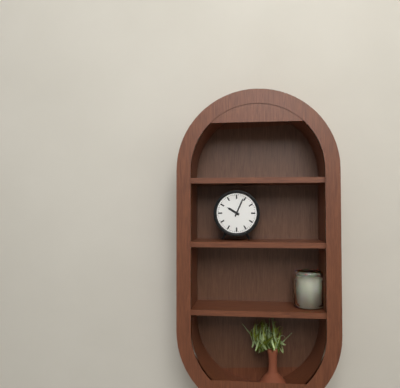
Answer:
h=10 m=4
